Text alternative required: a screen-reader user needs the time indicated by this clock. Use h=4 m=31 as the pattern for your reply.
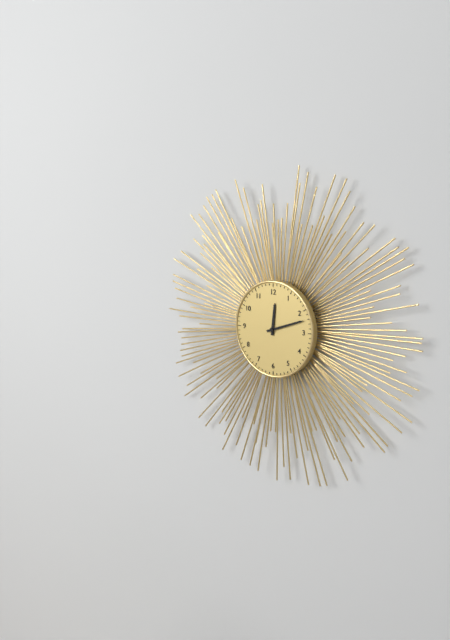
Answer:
h=12 m=12
